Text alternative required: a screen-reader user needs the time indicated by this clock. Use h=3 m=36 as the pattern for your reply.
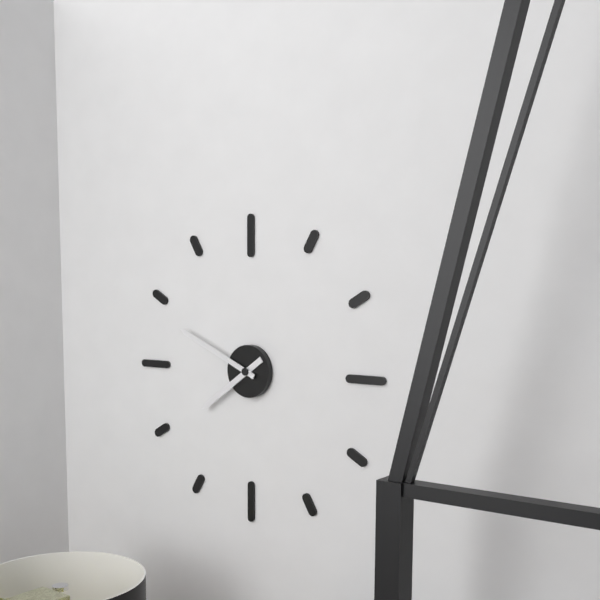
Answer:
h=7 m=49
